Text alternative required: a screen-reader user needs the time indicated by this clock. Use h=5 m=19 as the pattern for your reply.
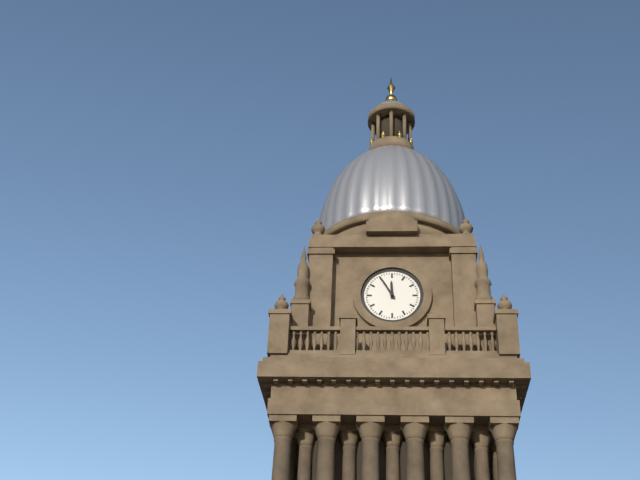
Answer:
h=11 m=55
